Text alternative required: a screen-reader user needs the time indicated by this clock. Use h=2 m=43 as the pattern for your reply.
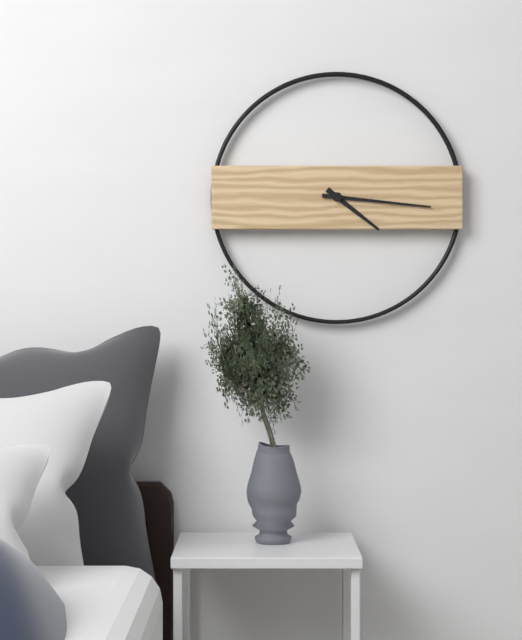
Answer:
h=4 m=16
